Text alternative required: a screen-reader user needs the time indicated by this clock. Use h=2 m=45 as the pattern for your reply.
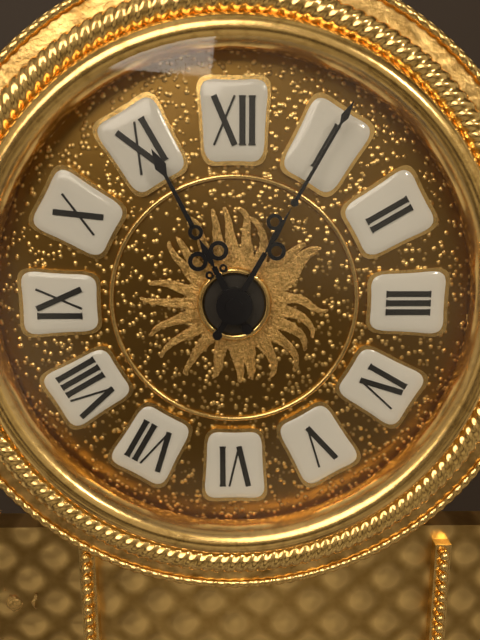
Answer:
h=11 m=5
